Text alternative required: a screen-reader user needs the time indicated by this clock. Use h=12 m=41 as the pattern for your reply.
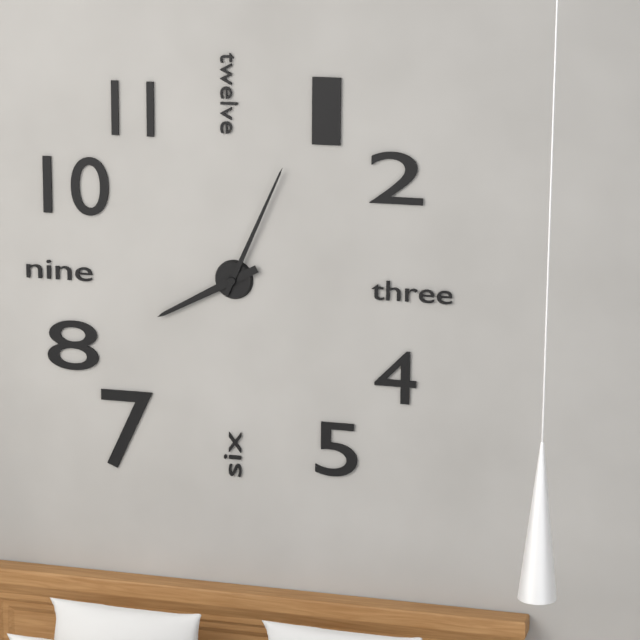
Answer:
h=8 m=4
